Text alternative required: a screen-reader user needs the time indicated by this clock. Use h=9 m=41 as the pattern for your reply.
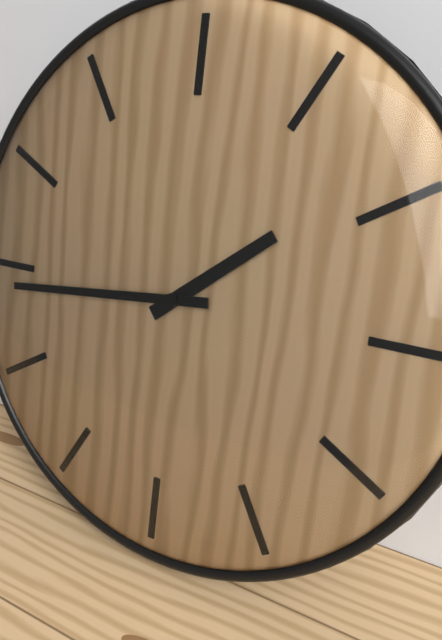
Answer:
h=1 m=44
